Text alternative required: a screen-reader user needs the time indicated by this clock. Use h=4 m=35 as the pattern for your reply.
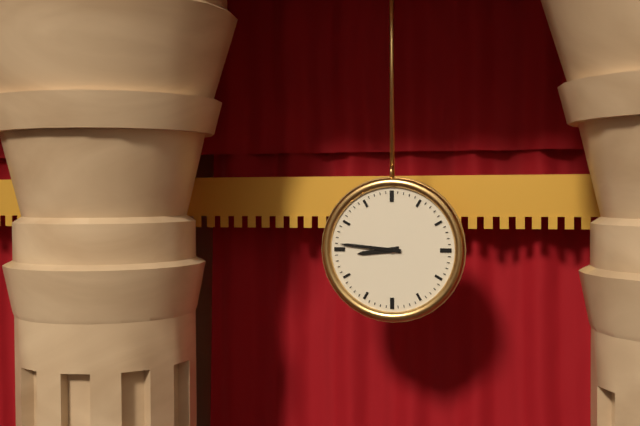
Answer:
h=8 m=46
